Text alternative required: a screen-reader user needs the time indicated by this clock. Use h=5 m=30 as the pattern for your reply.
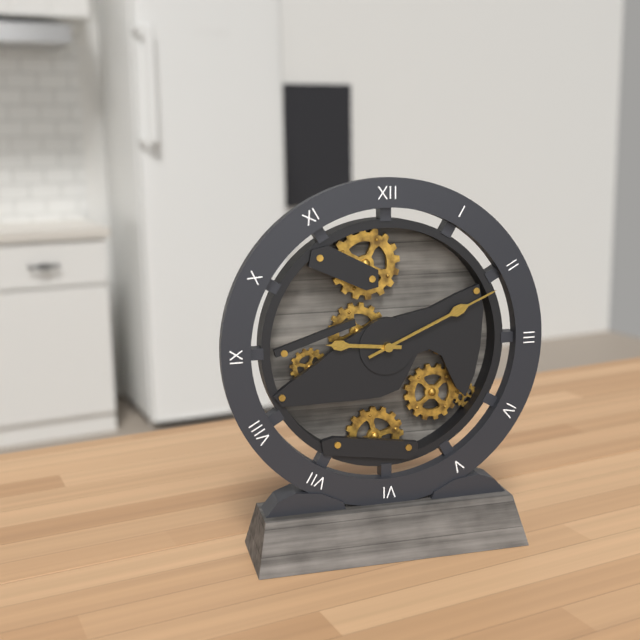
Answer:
h=9 m=11
